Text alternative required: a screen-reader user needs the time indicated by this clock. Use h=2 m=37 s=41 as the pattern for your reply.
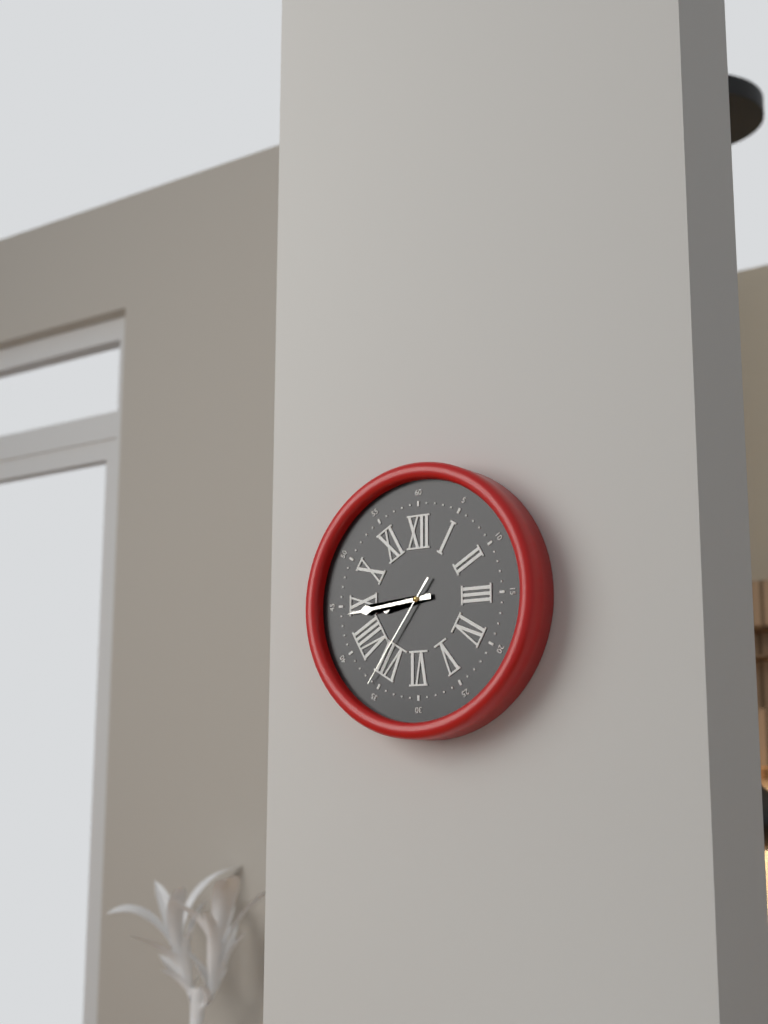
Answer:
h=8 m=44 s=36
